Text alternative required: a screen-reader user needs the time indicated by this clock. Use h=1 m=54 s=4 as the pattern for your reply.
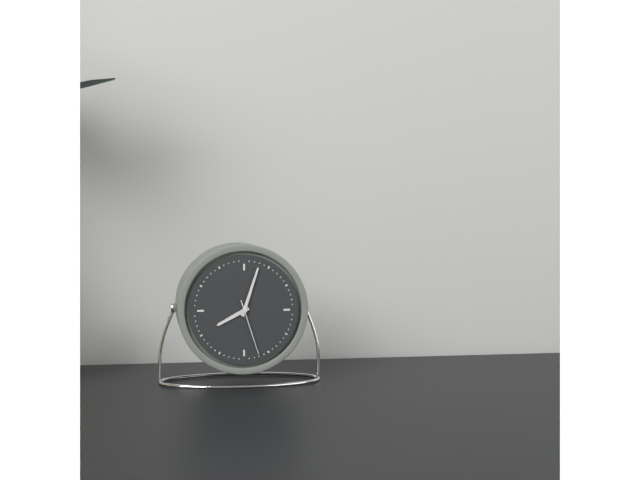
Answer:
h=8 m=3 s=27
